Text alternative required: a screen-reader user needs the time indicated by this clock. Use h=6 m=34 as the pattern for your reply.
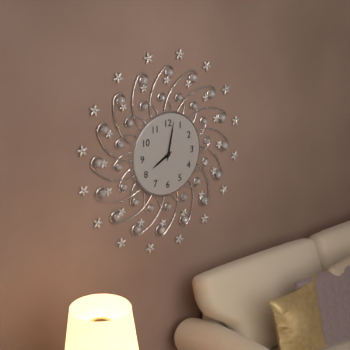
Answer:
h=8 m=2
